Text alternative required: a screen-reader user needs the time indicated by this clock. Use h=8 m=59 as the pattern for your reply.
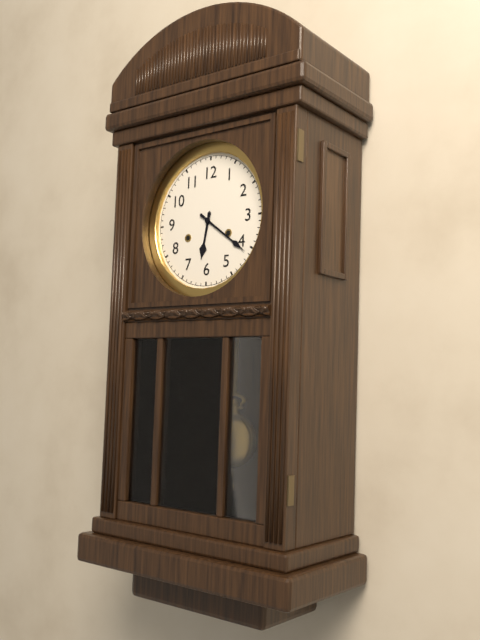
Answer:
h=6 m=21
